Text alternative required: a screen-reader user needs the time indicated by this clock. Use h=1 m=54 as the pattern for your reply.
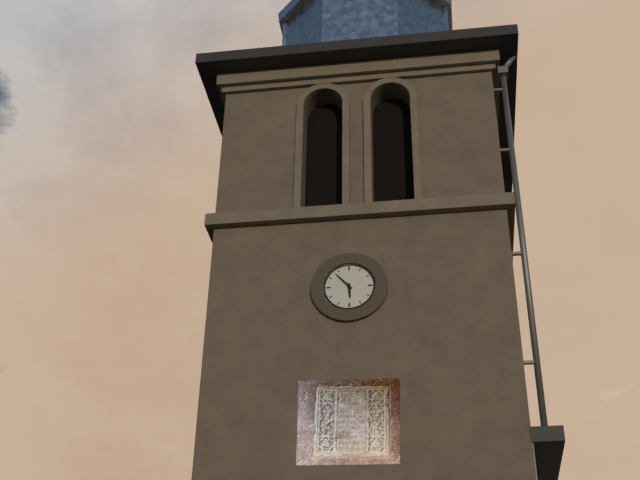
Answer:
h=5 m=53
